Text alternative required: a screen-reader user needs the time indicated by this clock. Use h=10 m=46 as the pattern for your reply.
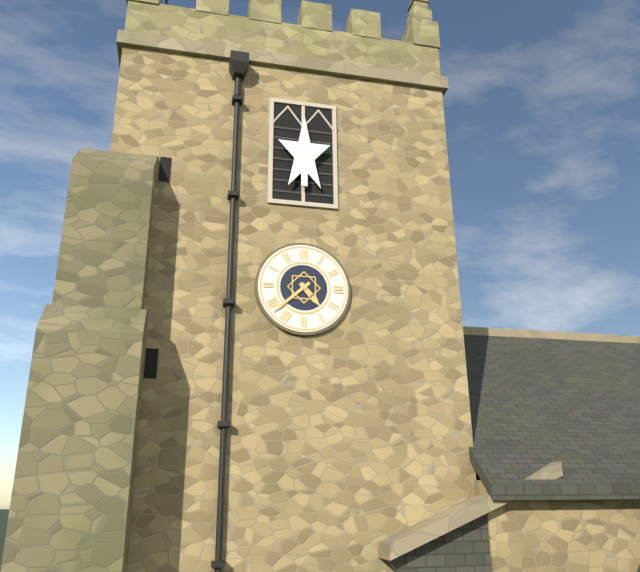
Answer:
h=4 m=38
